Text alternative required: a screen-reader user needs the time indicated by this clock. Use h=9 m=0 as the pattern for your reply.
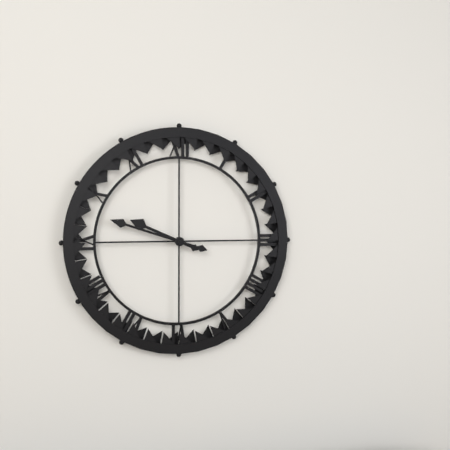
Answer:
h=9 m=48
